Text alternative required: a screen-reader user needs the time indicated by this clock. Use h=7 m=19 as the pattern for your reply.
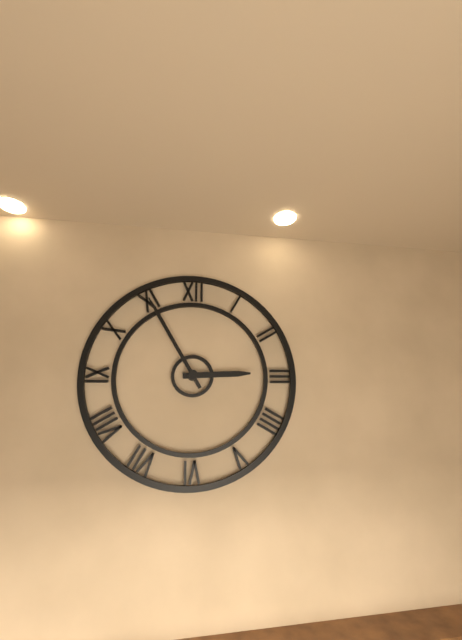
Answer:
h=2 m=55
